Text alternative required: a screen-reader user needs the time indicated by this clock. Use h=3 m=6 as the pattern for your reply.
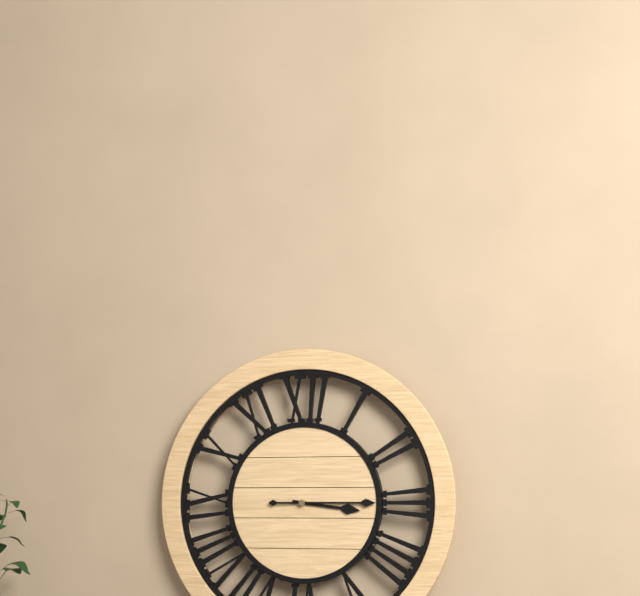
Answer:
h=3 m=15
